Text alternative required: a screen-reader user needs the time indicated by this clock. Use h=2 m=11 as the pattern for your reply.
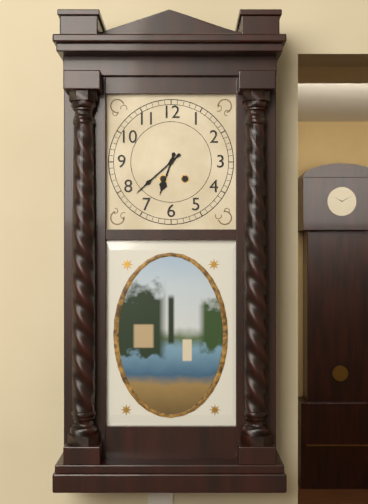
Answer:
h=6 m=38
